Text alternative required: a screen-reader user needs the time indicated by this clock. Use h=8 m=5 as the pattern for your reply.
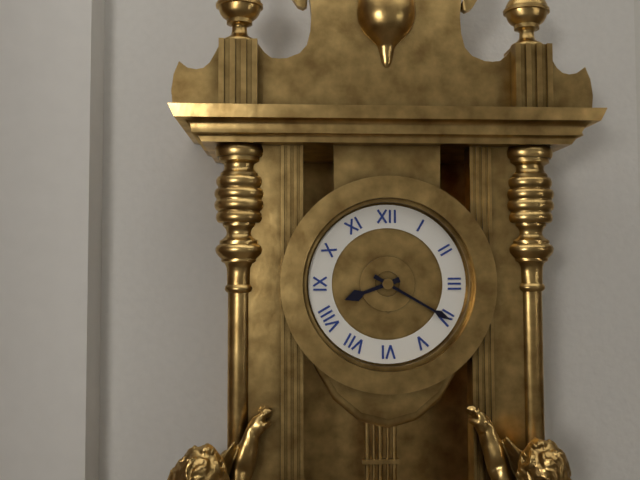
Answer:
h=8 m=20
